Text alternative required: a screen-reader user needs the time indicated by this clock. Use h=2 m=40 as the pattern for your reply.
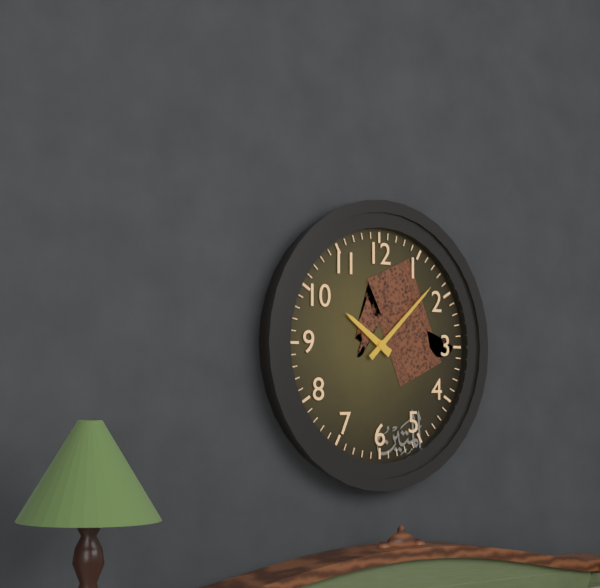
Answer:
h=10 m=8
